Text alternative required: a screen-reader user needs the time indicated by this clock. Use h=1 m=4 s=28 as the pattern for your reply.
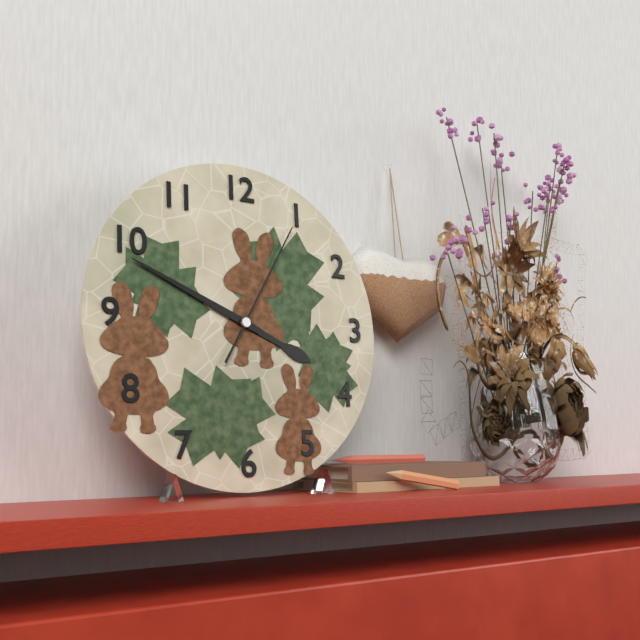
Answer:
h=3 m=49 s=5
